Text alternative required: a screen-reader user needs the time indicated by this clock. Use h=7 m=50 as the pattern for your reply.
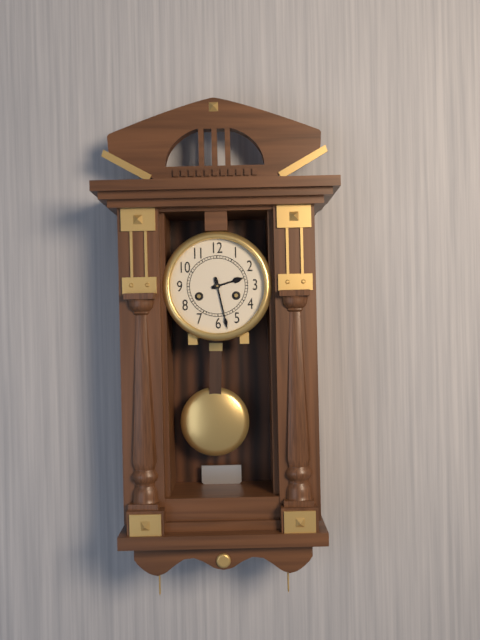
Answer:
h=2 m=28
